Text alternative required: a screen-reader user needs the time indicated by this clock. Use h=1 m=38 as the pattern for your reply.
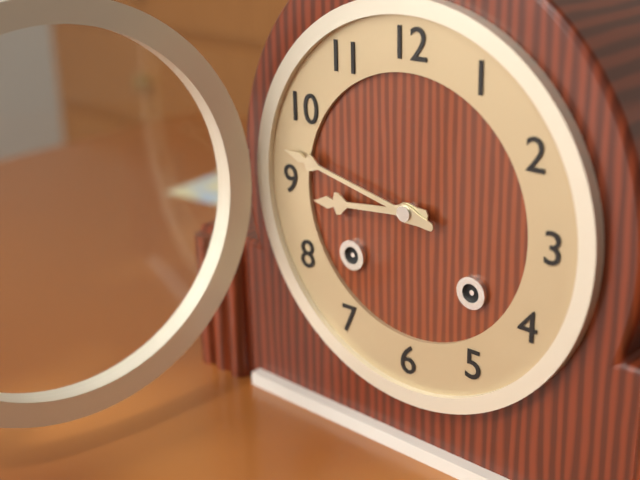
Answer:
h=8 m=47
